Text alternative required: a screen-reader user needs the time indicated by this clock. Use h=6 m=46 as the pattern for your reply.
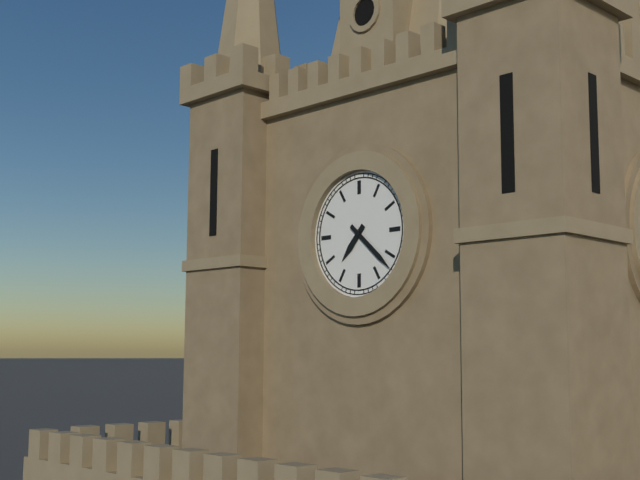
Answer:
h=7 m=22
